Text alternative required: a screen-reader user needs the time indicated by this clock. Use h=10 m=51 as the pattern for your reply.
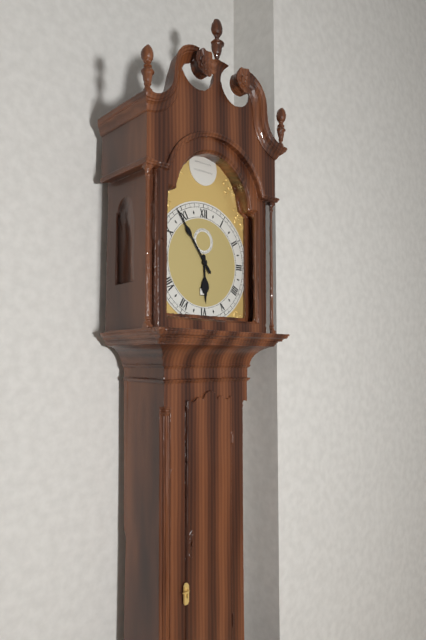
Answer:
h=5 m=54
